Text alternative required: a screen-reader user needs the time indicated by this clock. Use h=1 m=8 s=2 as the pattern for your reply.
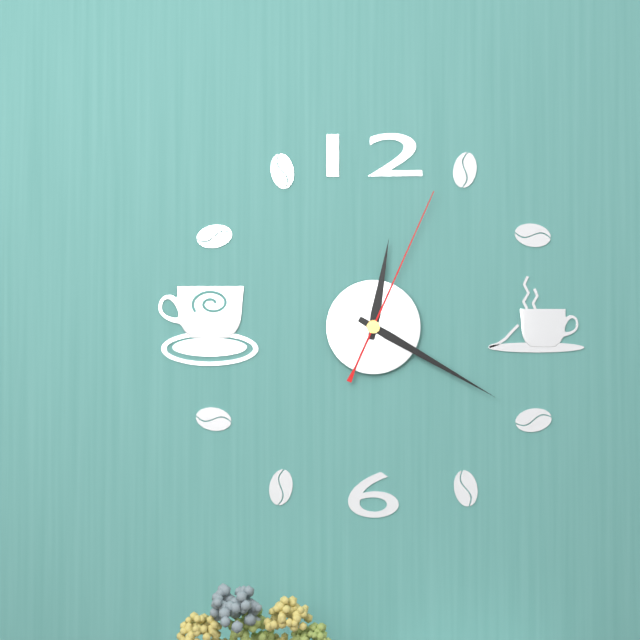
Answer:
h=12 m=20 s=4
